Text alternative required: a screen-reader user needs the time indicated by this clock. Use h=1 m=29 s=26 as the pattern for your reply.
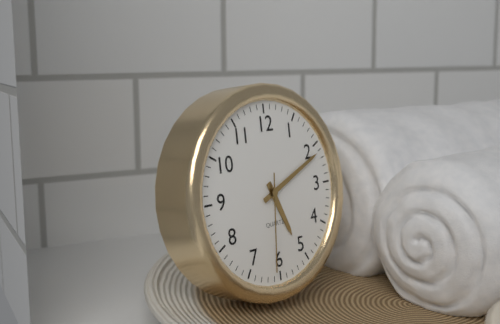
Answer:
h=5 m=11 s=31
